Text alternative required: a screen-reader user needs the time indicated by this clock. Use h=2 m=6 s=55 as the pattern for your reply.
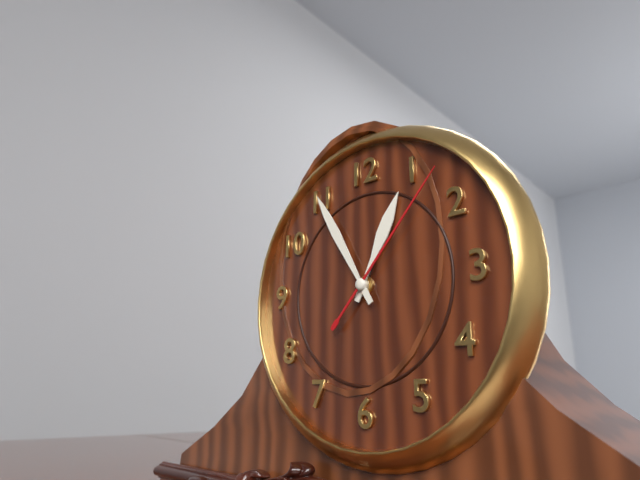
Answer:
h=12 m=55 s=7
